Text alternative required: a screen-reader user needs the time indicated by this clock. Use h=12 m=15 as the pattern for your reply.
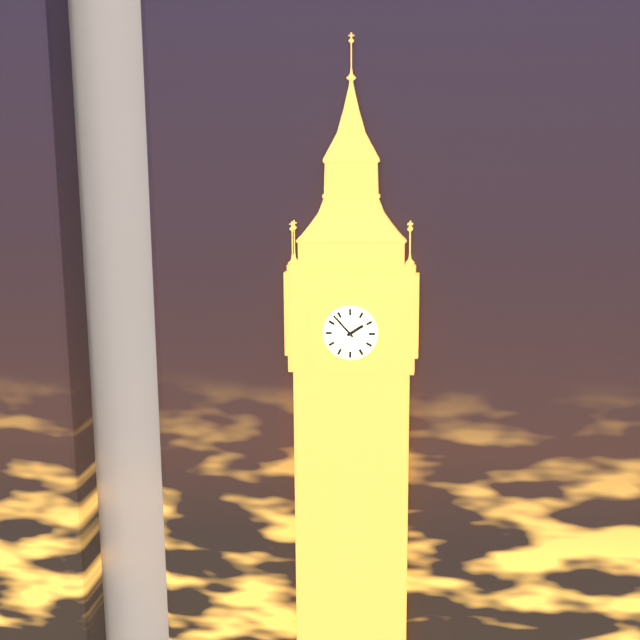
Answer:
h=1 m=53
